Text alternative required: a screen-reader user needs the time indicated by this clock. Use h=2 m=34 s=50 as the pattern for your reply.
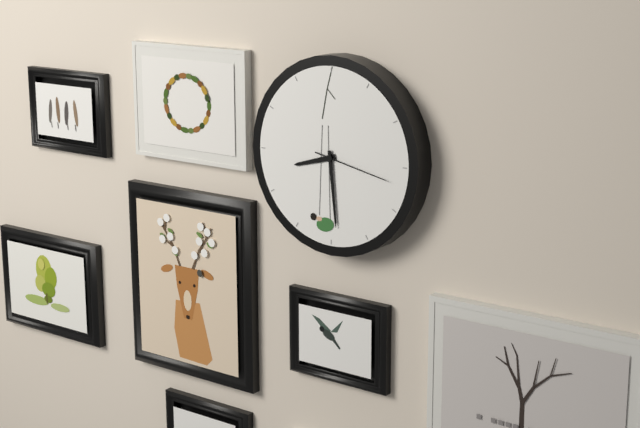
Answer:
h=8 m=29 s=17
